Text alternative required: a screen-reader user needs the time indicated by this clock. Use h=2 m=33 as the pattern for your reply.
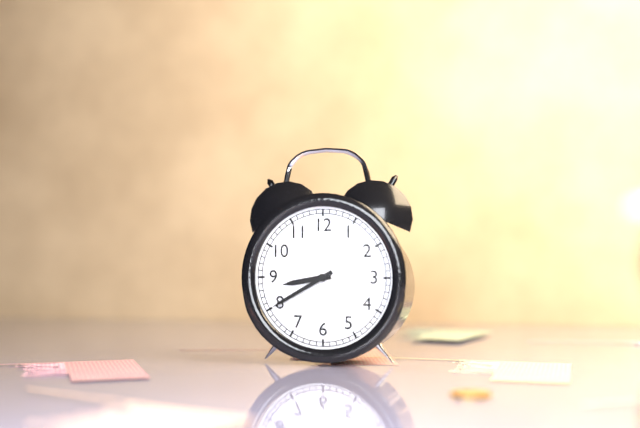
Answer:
h=8 m=40
